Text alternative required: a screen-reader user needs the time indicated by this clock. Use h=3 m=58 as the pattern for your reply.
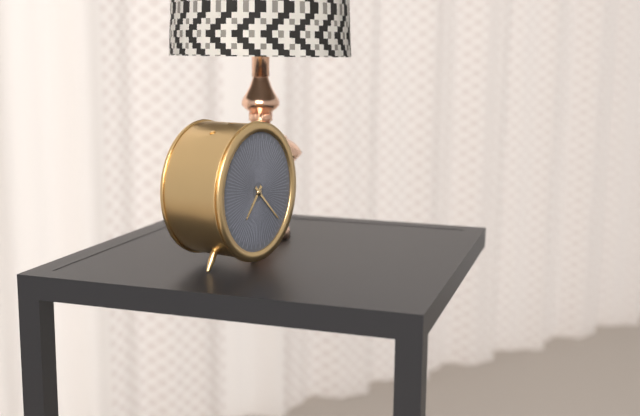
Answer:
h=7 m=22
